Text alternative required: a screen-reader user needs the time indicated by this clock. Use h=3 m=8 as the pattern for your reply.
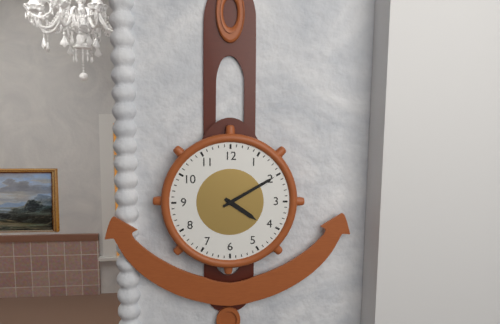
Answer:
h=4 m=10
